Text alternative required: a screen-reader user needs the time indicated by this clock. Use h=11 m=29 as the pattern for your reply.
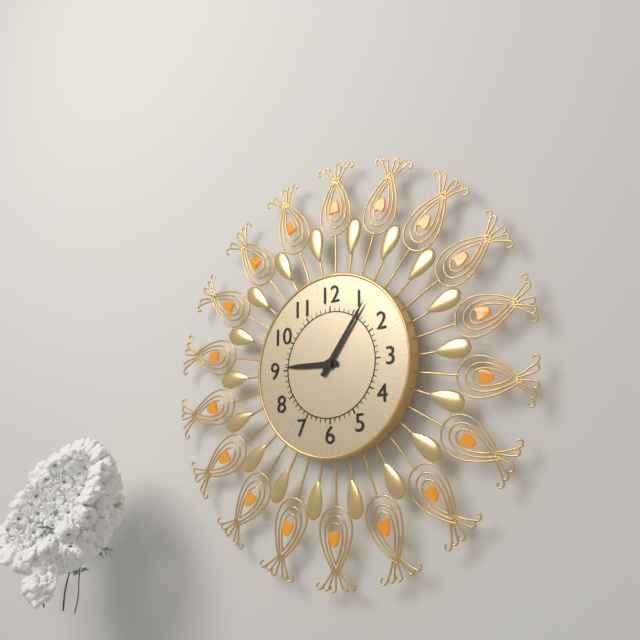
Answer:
h=9 m=6
